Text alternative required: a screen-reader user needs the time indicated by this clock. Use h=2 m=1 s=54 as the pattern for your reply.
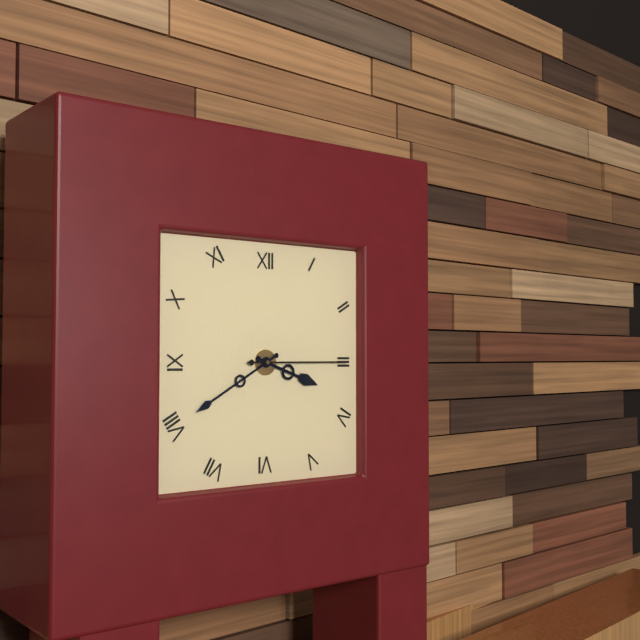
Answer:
h=3 m=40 s=15
